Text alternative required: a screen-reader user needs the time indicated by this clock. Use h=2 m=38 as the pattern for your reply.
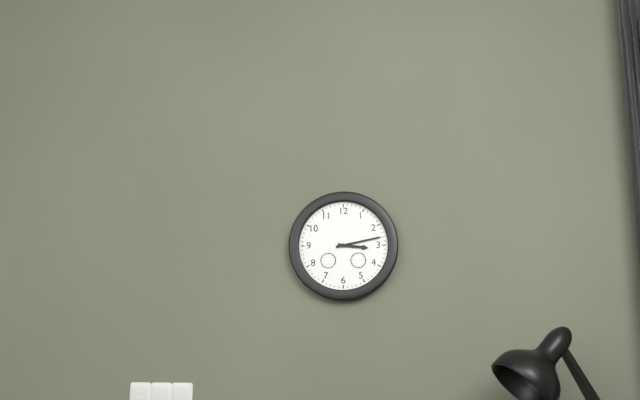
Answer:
h=3 m=13
